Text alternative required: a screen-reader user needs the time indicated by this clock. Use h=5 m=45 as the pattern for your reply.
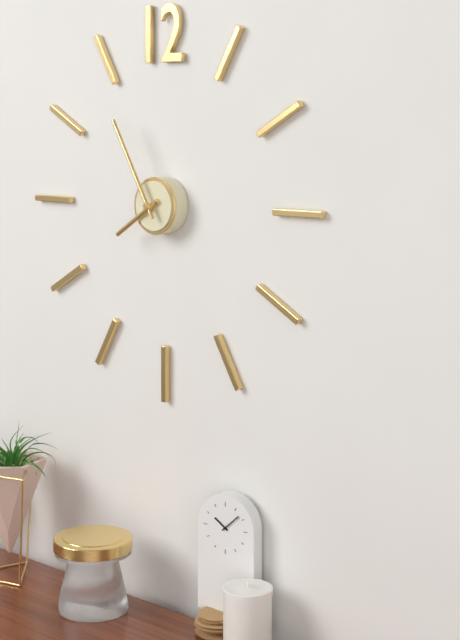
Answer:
h=7 m=55
